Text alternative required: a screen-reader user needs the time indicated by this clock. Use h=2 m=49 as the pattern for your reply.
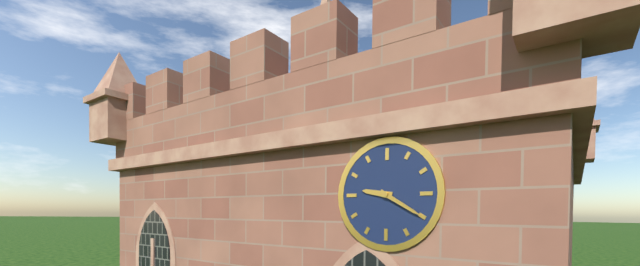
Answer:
h=9 m=20
